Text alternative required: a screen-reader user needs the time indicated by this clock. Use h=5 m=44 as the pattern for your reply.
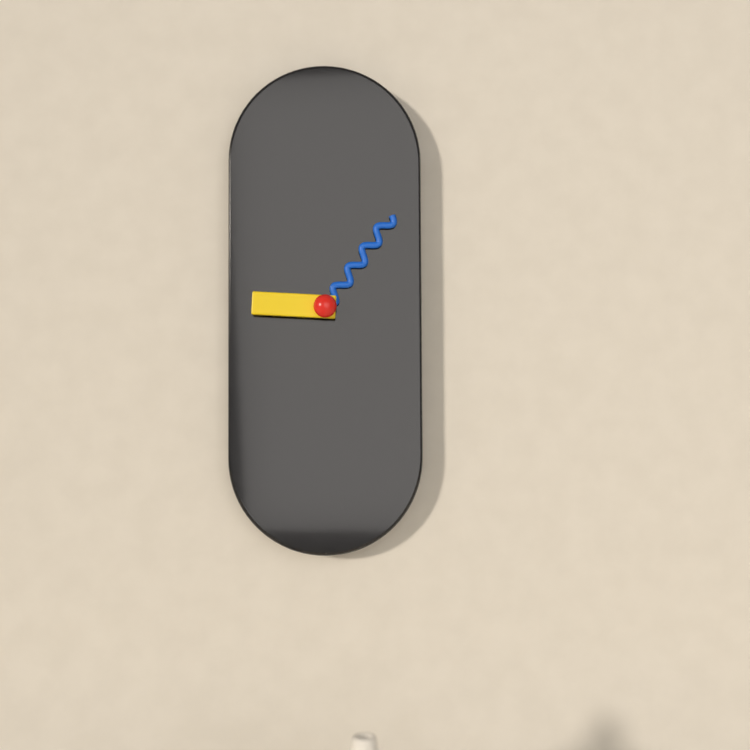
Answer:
h=9 m=6
